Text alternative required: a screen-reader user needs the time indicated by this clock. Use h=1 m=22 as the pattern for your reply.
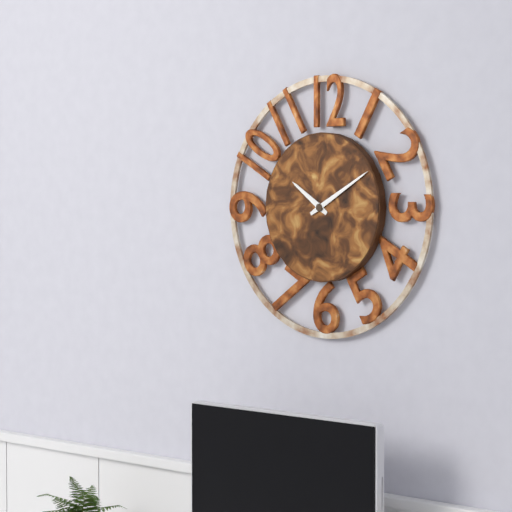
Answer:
h=10 m=10
